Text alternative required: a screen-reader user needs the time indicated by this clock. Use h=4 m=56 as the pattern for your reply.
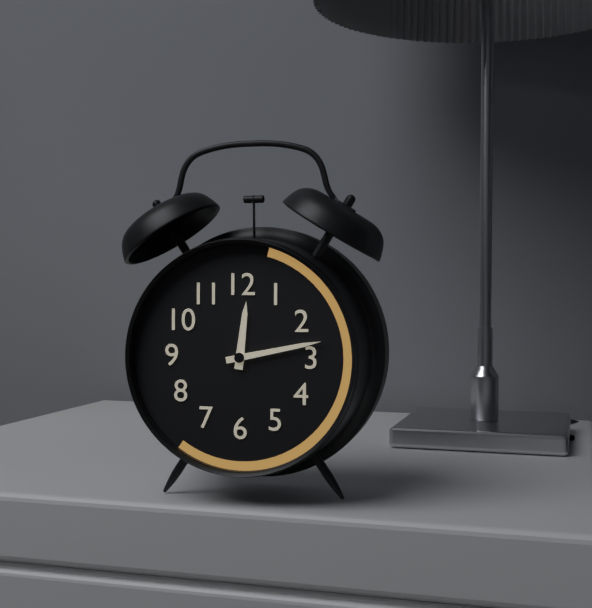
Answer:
h=12 m=13
